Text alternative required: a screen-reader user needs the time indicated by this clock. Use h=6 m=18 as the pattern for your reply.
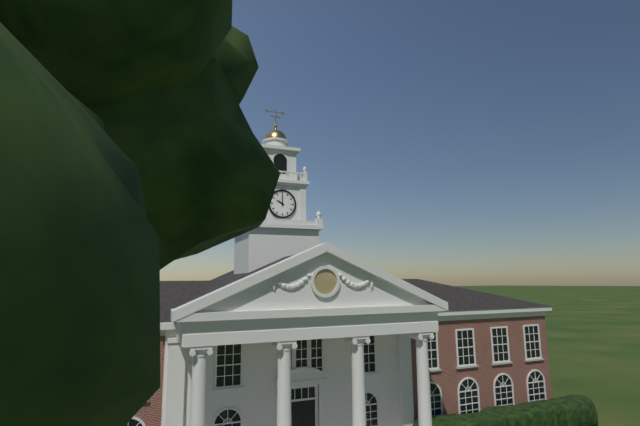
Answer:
h=10 m=0
